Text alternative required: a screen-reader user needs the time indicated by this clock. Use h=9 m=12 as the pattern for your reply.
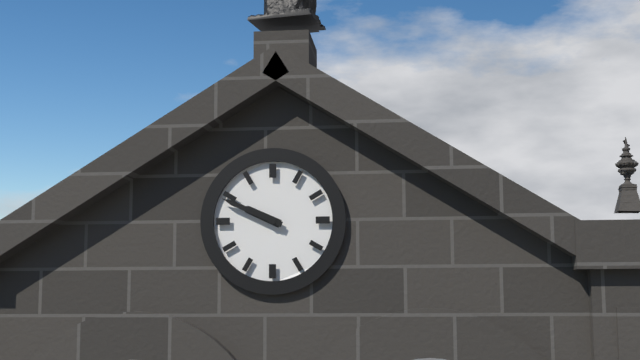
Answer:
h=9 m=49
